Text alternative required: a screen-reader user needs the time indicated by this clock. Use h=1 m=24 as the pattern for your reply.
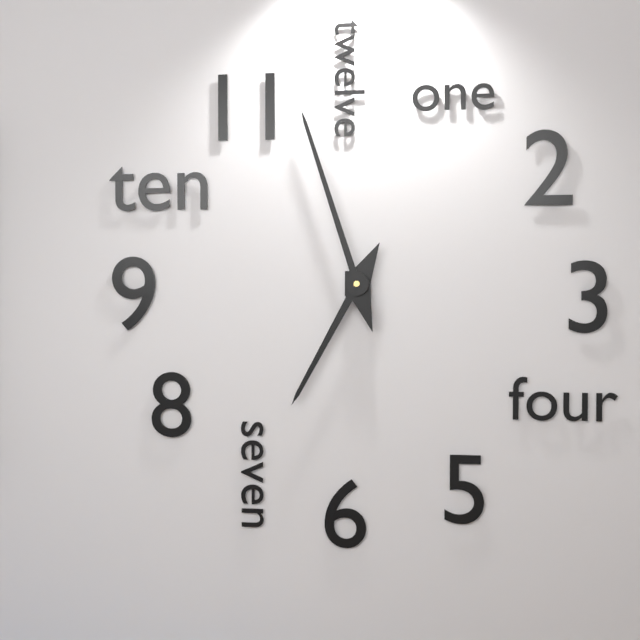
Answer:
h=6 m=57
